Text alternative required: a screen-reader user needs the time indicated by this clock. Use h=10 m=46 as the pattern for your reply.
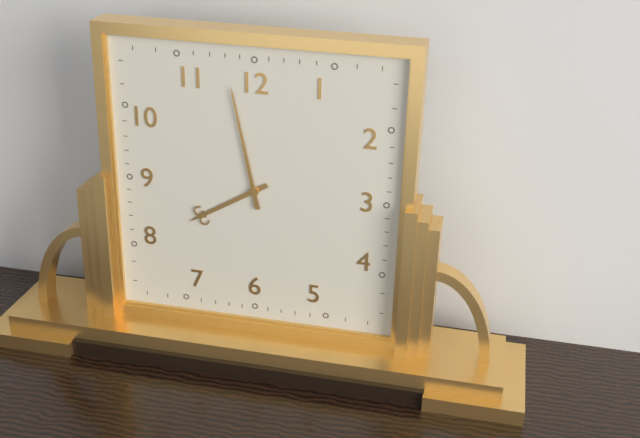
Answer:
h=7 m=58
